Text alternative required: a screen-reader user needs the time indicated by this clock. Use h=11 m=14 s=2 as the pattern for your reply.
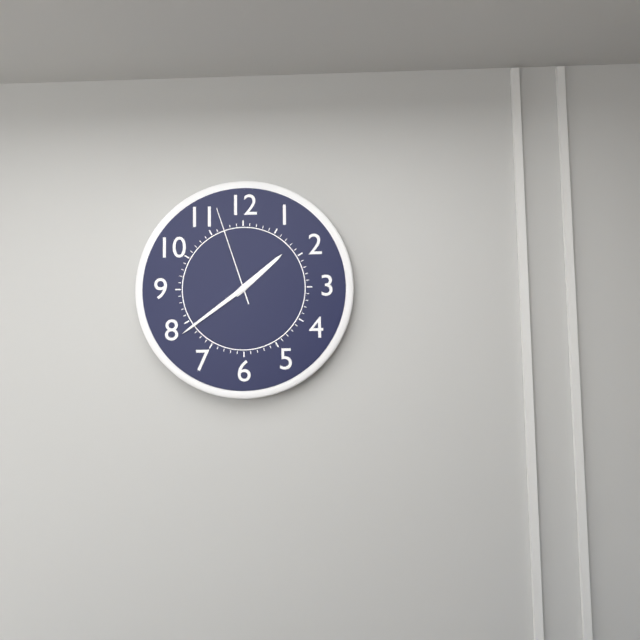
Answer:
h=1 m=39 s=57
